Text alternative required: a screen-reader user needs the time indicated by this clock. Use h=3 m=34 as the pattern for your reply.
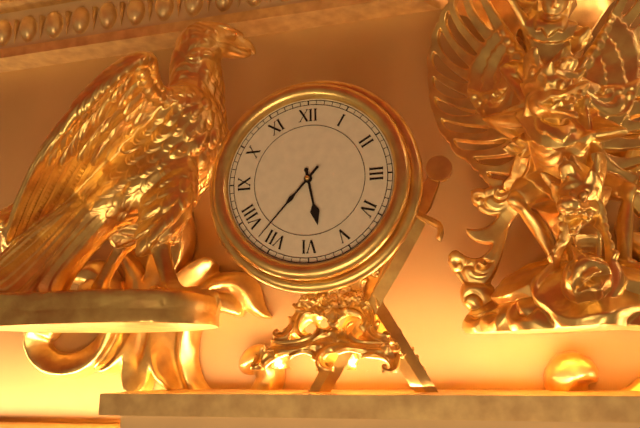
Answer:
h=5 m=37
